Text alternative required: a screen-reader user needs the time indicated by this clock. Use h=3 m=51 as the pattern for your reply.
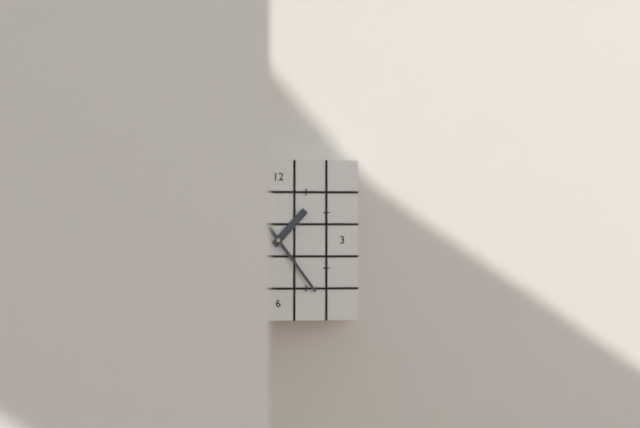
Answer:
h=1 m=24
